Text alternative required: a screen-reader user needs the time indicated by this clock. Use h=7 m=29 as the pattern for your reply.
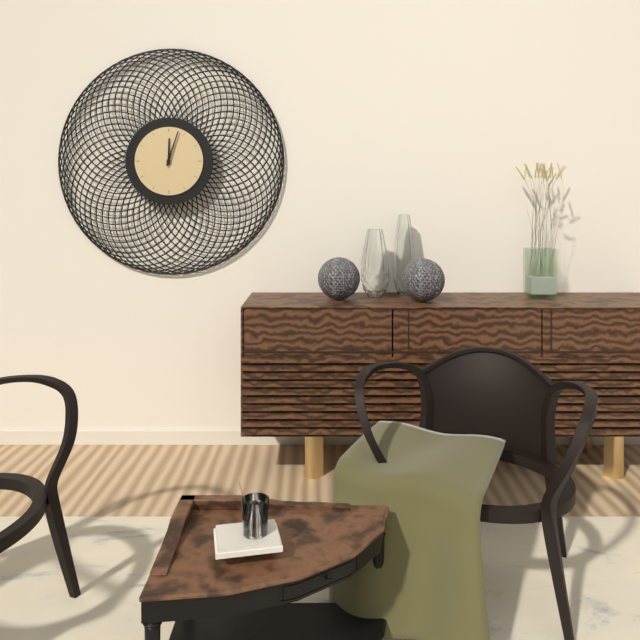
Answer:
h=12 m=3
